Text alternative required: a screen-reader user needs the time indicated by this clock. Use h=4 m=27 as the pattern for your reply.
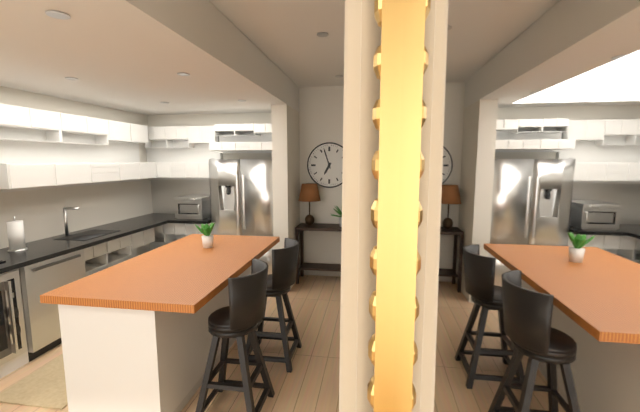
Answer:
h=6 m=57
